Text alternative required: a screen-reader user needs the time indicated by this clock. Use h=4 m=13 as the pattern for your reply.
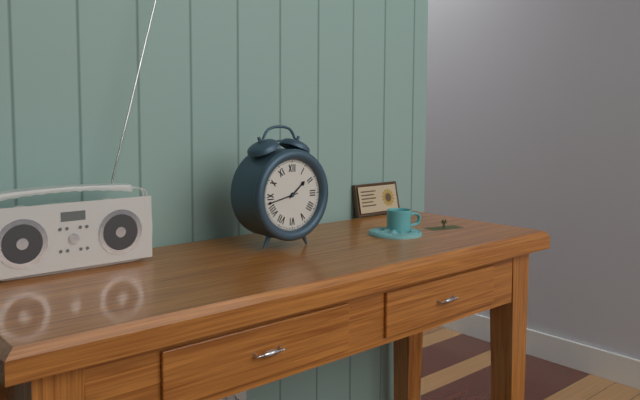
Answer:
h=1 m=43
